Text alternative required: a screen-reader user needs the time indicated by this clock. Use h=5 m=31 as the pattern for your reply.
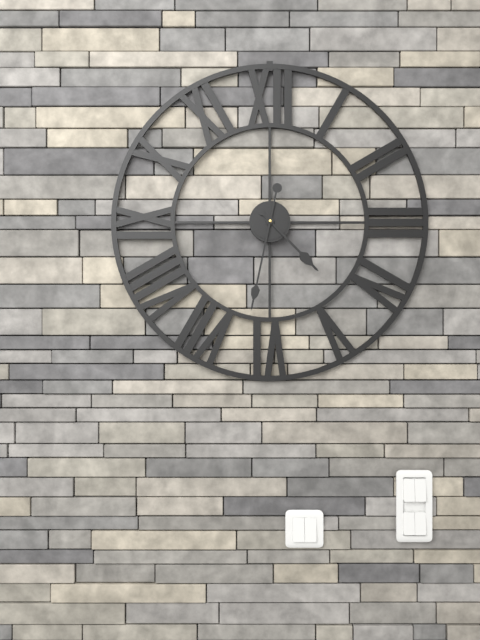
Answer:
h=4 m=32
